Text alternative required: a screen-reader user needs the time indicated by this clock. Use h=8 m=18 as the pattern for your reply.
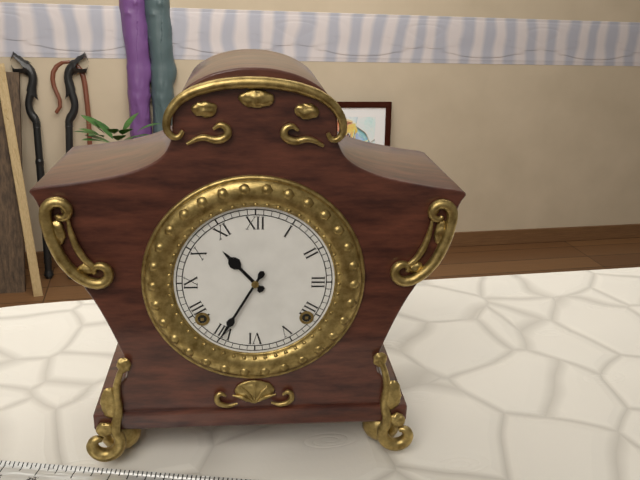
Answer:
h=10 m=35
